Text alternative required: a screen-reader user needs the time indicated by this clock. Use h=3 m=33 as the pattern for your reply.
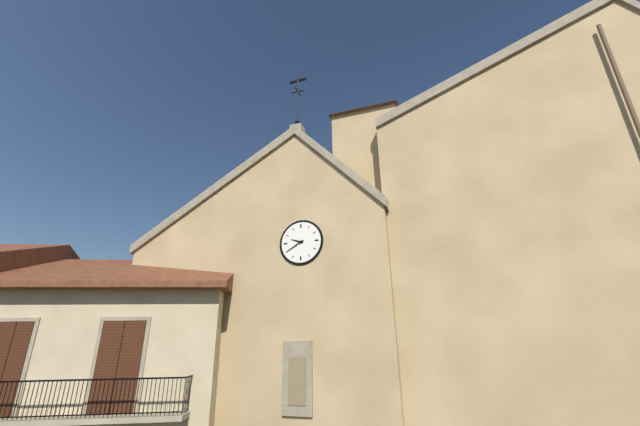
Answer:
h=9 m=40
